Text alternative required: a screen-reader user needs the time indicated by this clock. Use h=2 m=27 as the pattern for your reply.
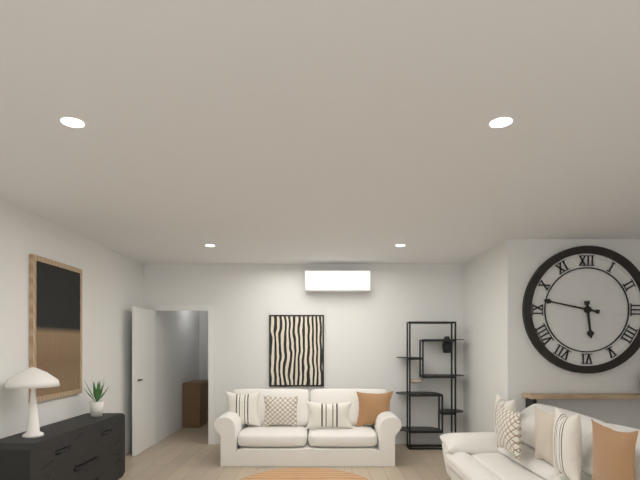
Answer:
h=5 m=47
